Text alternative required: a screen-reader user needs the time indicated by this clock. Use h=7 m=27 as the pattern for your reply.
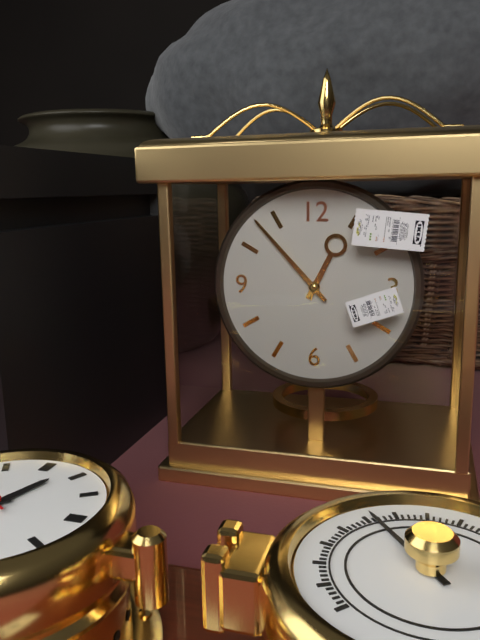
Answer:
h=12 m=53
